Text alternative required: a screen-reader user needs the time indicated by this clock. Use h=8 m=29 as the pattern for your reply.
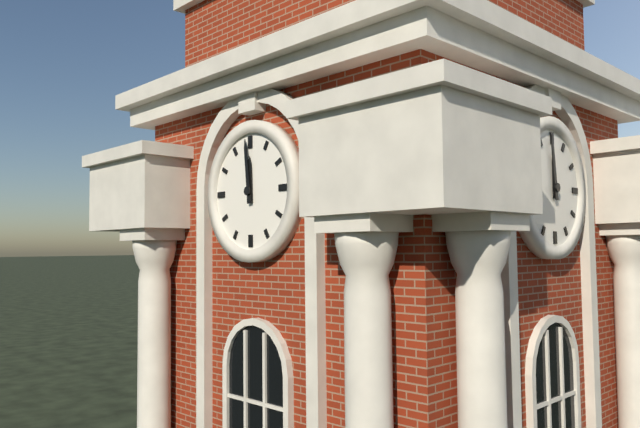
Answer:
h=11 m=59
